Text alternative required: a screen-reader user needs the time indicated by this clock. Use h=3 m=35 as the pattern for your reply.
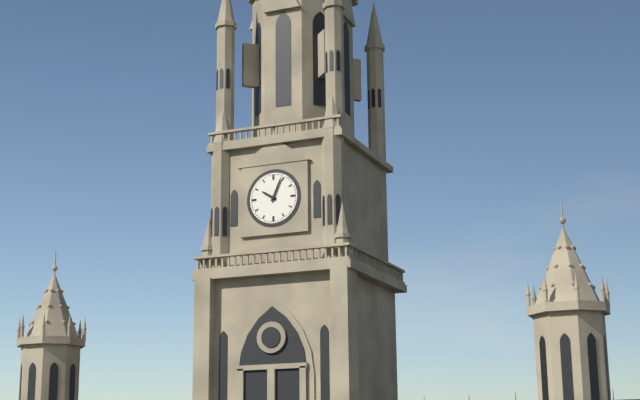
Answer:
h=10 m=4
